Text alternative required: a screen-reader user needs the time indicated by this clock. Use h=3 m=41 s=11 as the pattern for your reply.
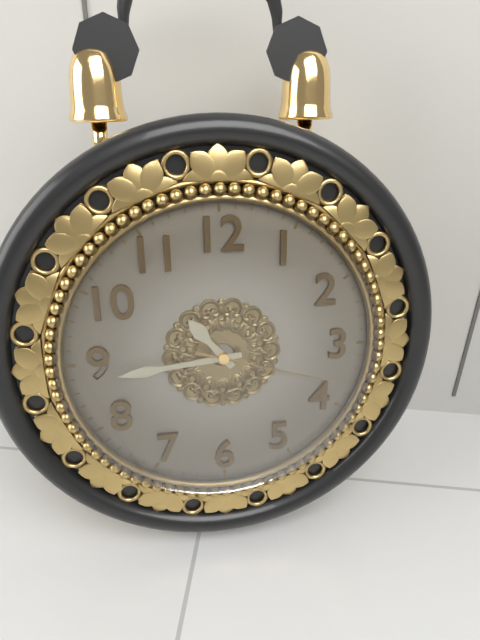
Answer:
h=10 m=44 s=18
